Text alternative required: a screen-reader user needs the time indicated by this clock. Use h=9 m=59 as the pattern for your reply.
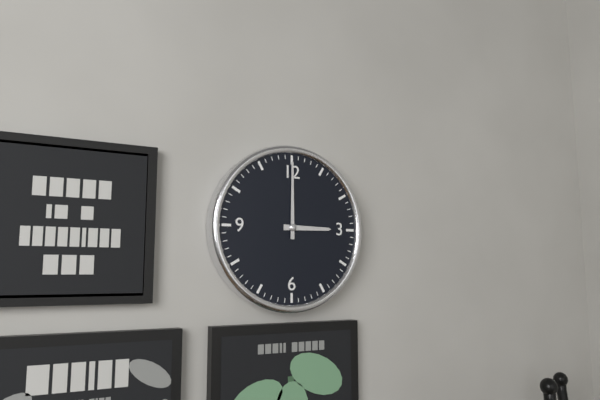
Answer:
h=3 m=0
